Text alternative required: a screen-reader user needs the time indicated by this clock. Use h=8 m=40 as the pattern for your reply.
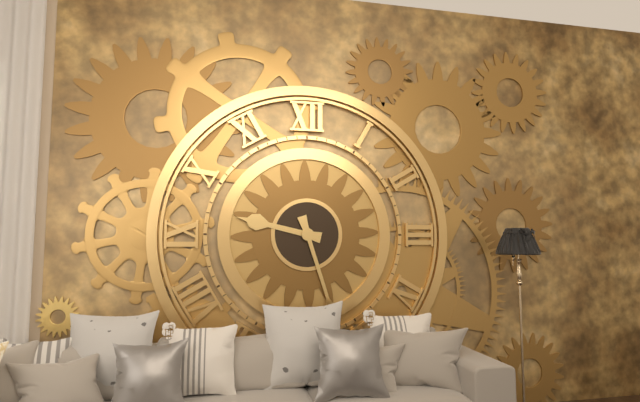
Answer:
h=9 m=27
